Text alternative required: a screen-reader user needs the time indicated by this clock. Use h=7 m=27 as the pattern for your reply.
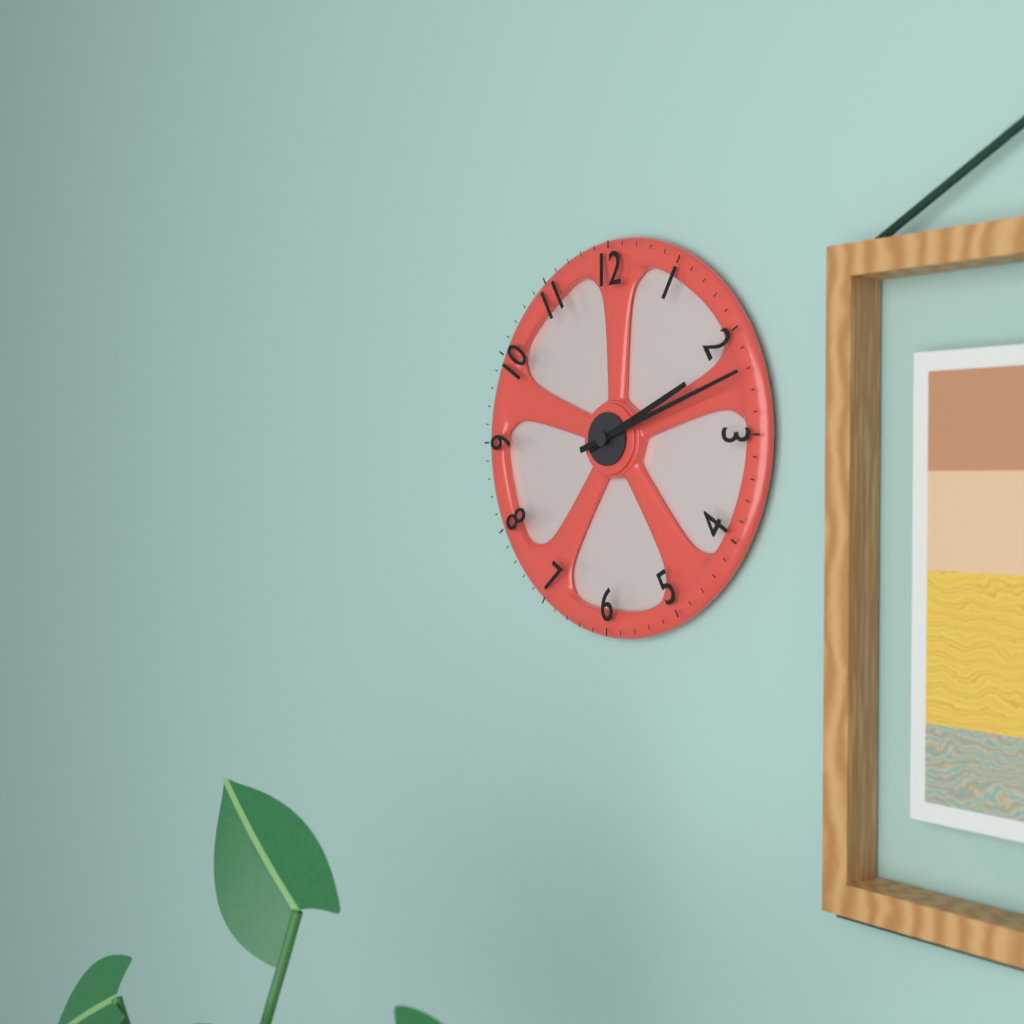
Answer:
h=2 m=12
